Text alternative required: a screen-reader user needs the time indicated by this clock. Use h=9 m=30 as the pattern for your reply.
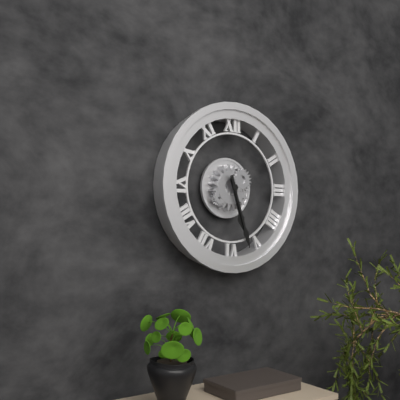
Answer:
h=5 m=27
